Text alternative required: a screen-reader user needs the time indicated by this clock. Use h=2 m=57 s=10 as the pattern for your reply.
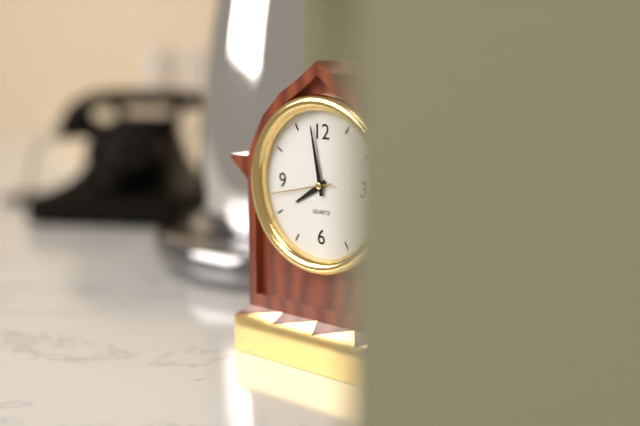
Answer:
h=7 m=58 s=43
